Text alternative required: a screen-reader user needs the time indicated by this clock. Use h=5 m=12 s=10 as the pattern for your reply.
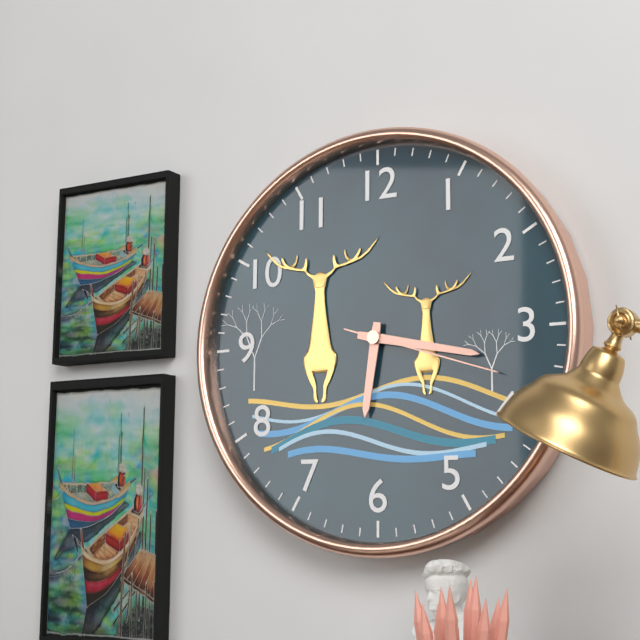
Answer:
h=6 m=17 s=18
